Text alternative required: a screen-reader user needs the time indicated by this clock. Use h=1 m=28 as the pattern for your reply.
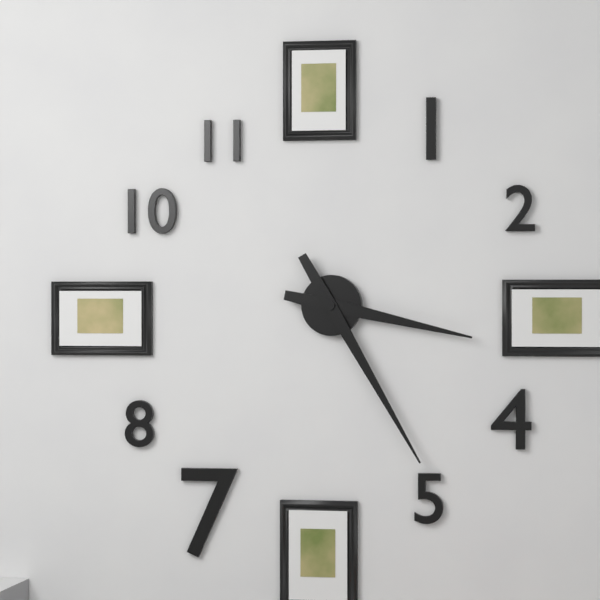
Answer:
h=3 m=25
